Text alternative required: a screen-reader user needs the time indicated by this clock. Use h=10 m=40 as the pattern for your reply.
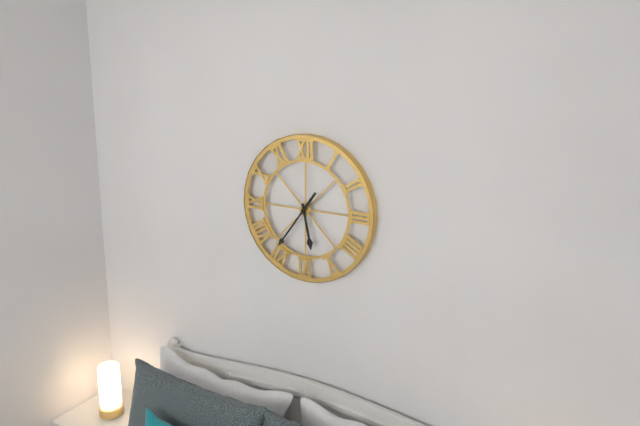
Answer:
h=5 m=36
